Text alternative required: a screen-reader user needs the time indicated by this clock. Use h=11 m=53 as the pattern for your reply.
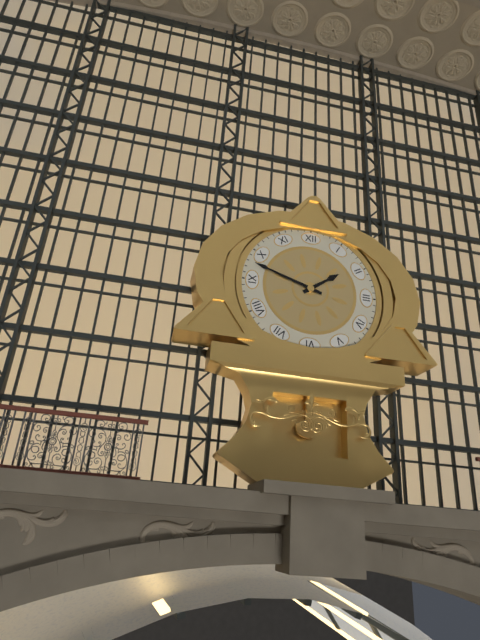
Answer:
h=1 m=48
